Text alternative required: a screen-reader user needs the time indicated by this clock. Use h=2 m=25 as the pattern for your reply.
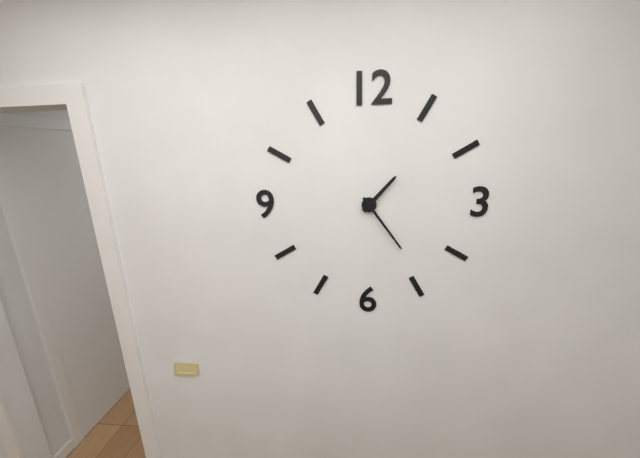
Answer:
h=1 m=24
